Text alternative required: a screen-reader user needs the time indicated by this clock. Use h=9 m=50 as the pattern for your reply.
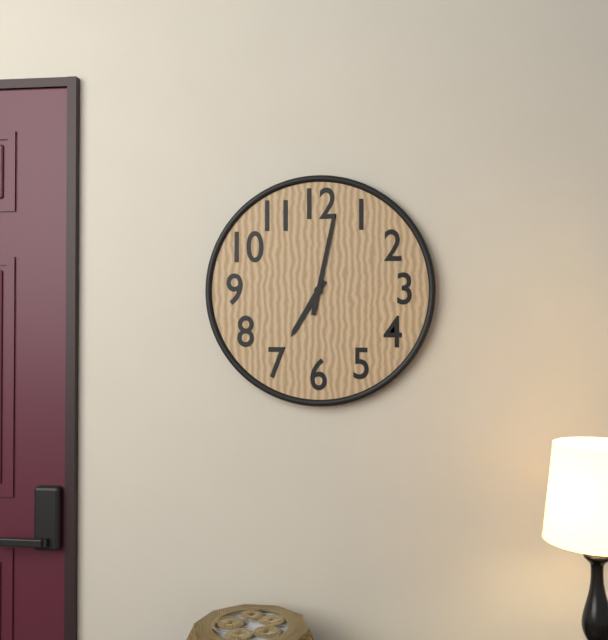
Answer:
h=7 m=2
